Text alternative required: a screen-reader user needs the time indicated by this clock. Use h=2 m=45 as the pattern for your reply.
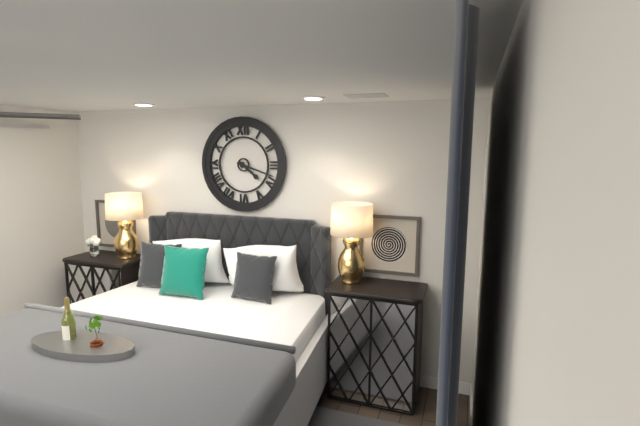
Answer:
h=4 m=18
